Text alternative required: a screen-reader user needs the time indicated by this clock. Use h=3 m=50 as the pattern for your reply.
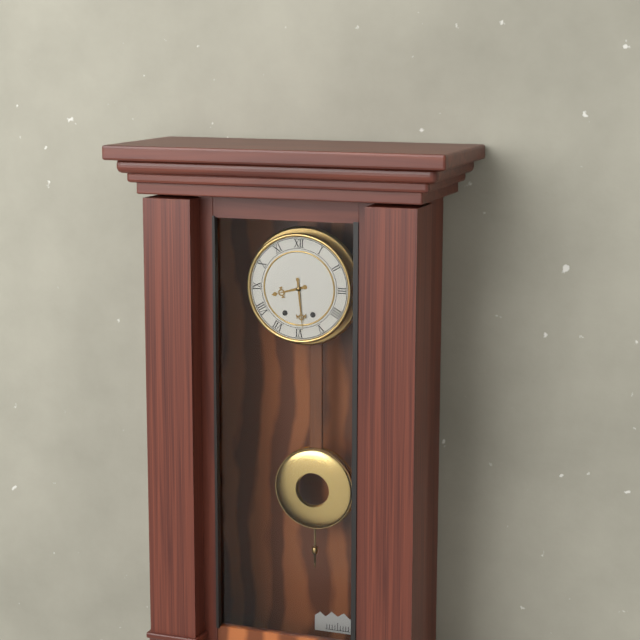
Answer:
h=8 m=29
